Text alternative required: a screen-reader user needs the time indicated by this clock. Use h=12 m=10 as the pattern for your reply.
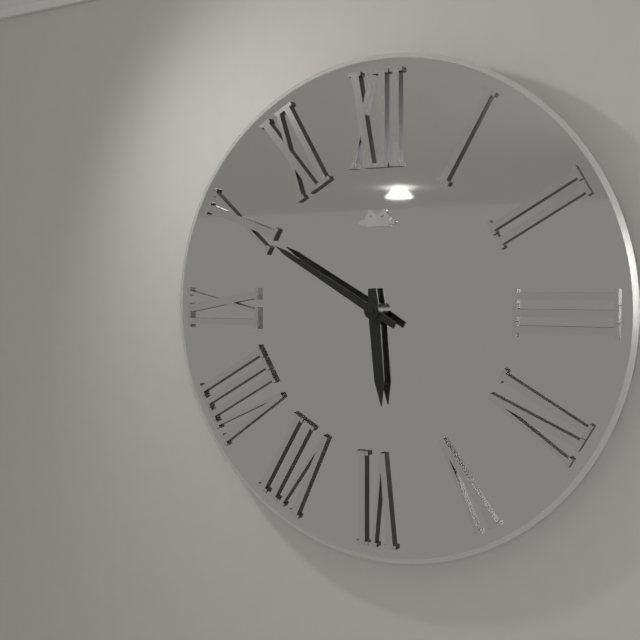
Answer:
h=5 m=50
